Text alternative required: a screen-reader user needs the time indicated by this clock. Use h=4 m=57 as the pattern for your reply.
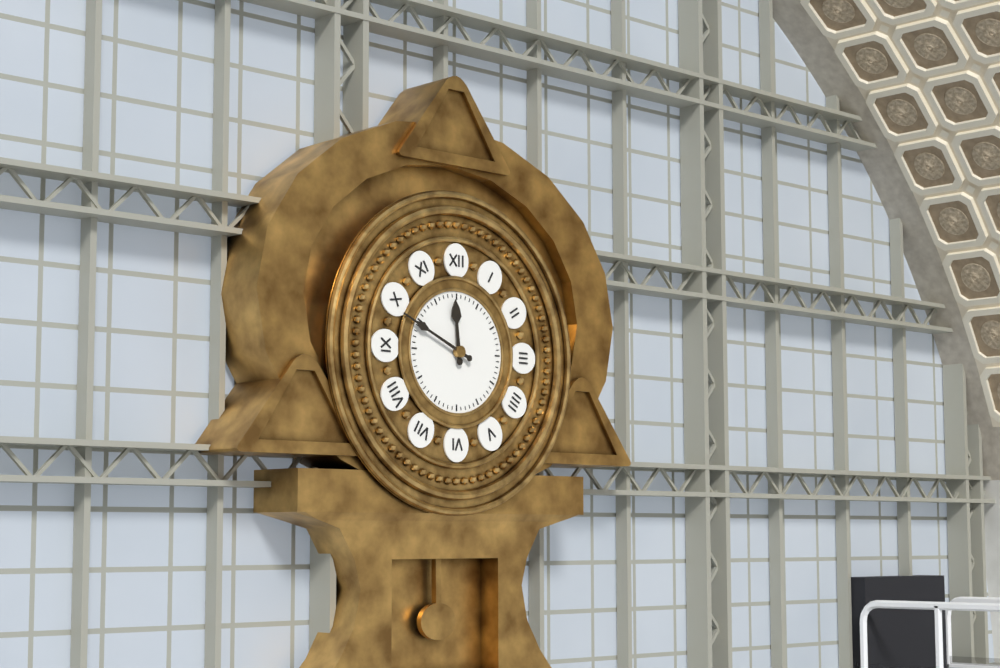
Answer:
h=11 m=49
